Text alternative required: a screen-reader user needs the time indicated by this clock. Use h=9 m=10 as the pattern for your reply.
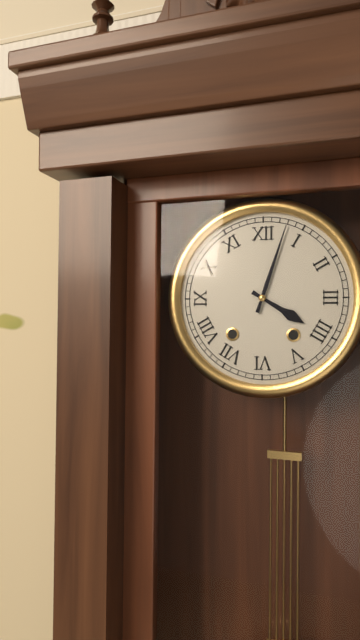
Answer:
h=4 m=3
